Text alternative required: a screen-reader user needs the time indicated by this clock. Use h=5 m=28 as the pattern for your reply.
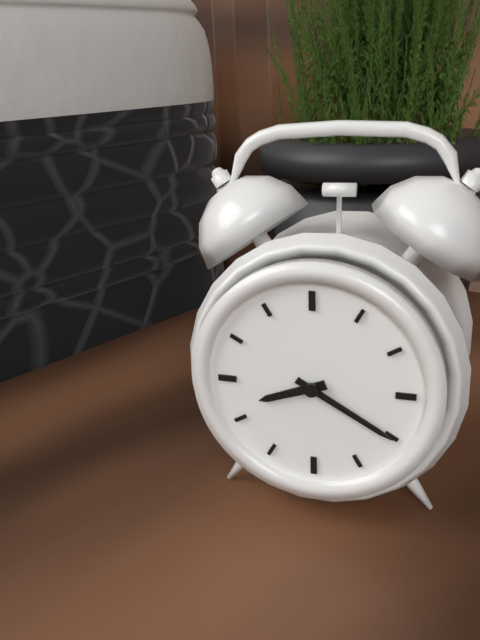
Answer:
h=8 m=20
